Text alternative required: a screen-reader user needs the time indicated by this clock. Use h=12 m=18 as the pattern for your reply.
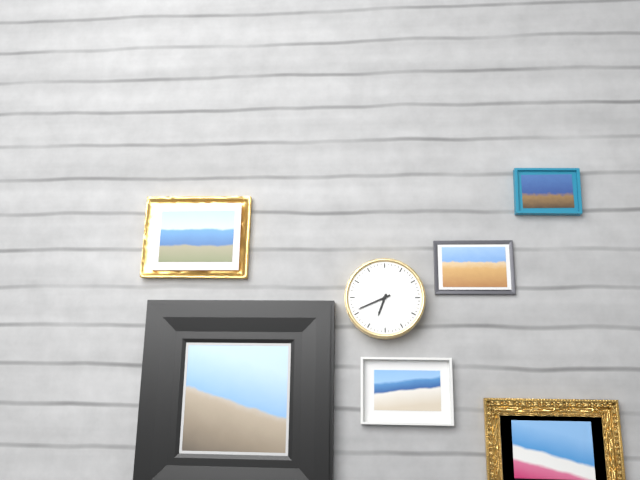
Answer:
h=6 m=41
